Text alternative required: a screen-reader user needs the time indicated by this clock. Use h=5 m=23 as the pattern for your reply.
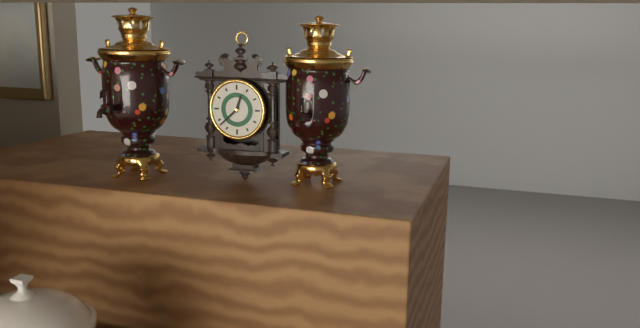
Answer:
h=12 m=38
